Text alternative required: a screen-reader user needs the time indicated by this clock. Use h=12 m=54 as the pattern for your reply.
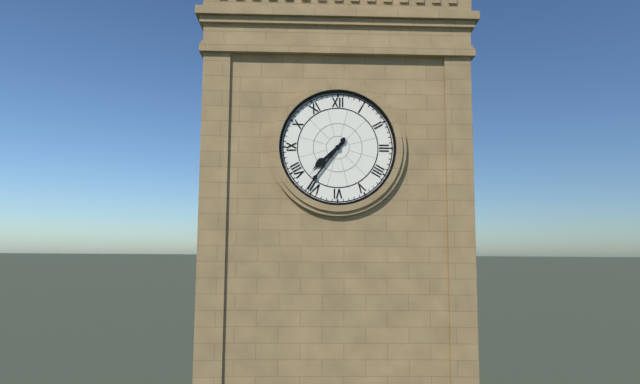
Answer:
h=7 m=36
